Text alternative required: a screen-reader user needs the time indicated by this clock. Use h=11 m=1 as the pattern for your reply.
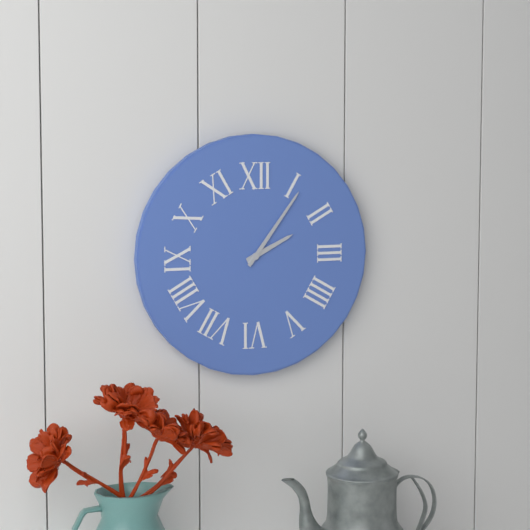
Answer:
h=2 m=6
